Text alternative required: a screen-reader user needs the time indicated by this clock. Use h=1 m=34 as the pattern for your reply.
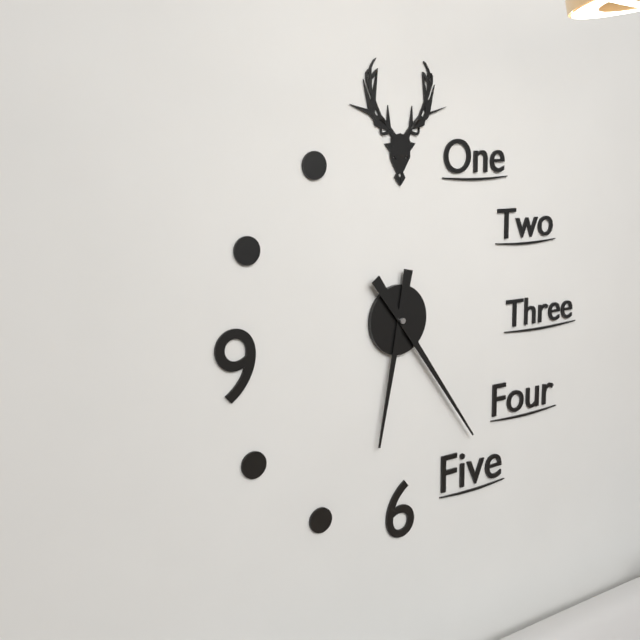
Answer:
h=6 m=24
